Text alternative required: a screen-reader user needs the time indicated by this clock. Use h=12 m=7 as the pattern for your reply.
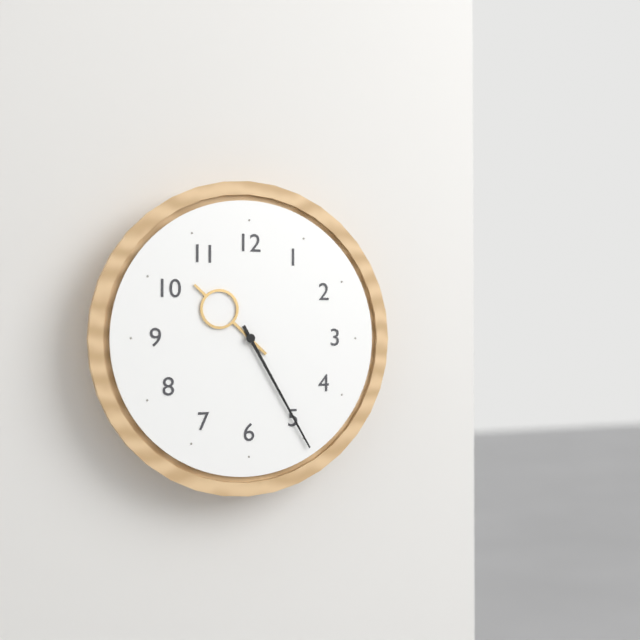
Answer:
h=10 m=25
